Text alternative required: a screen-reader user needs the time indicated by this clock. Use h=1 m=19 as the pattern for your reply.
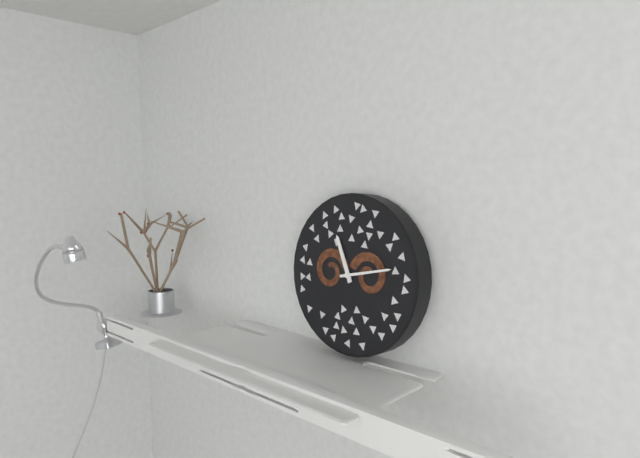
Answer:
h=11 m=13
